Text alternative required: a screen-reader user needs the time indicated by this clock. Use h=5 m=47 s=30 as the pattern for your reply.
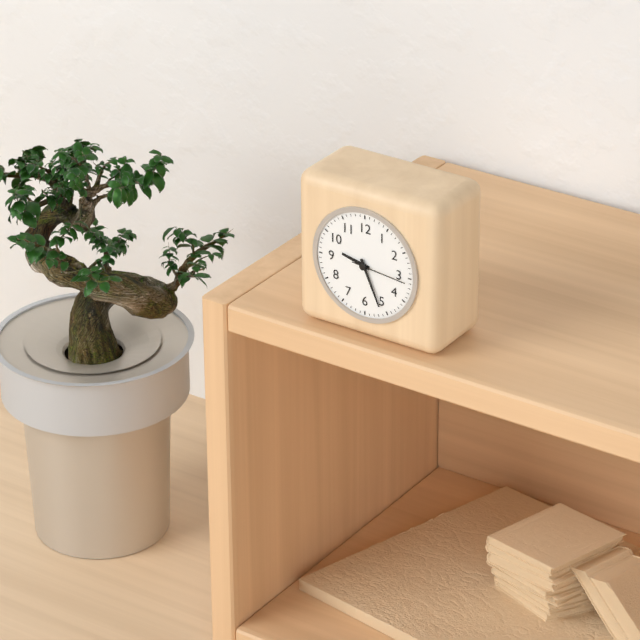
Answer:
h=9 m=26 s=16
